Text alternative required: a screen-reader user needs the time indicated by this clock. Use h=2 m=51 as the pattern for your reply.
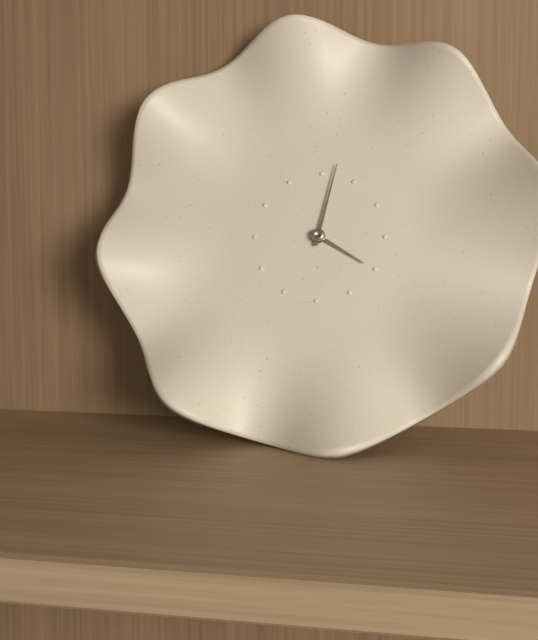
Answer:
h=4 m=2
